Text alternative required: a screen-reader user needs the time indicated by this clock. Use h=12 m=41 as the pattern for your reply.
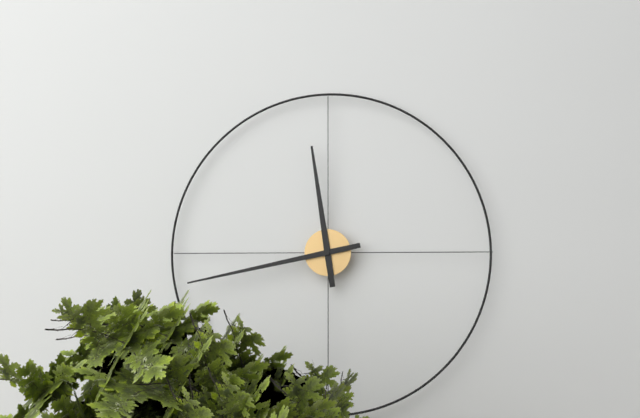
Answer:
h=11 m=43
